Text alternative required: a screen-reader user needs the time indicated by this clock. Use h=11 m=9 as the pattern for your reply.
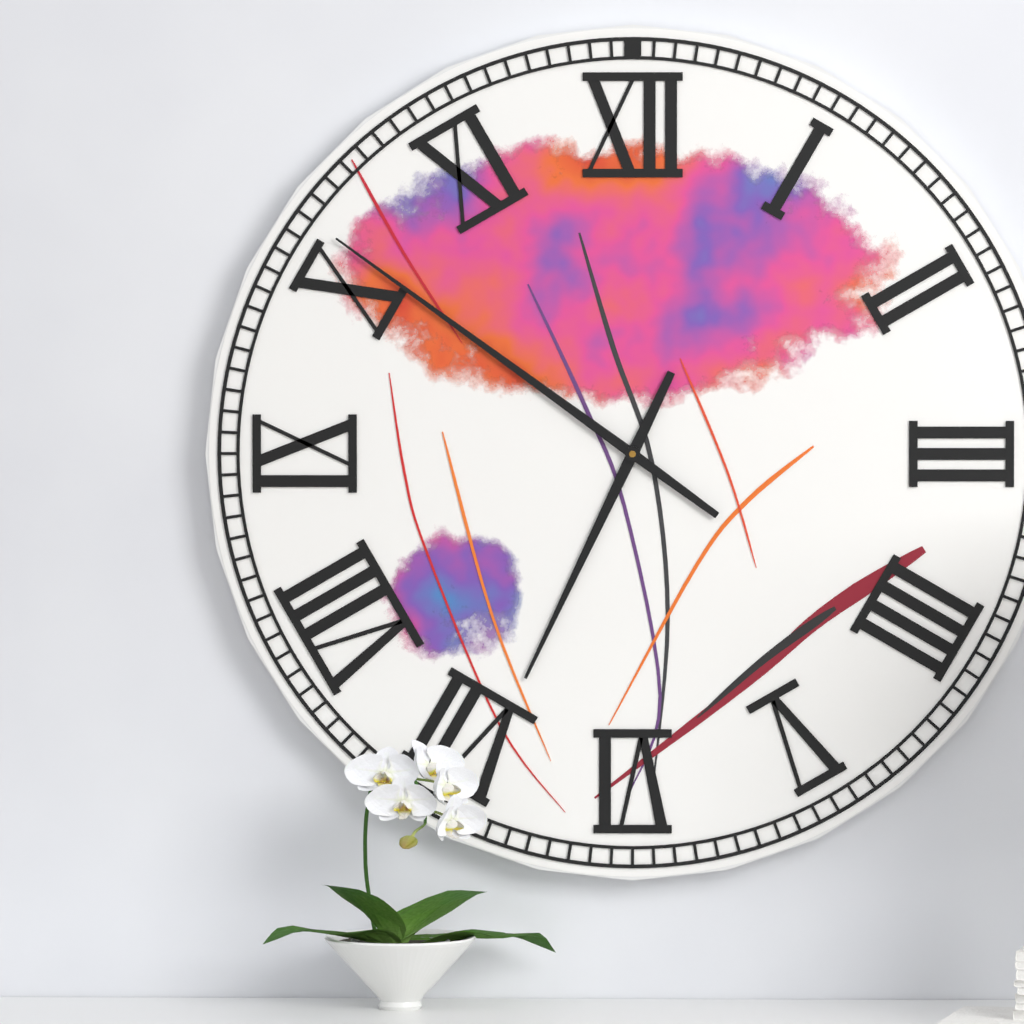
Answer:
h=6 m=51
